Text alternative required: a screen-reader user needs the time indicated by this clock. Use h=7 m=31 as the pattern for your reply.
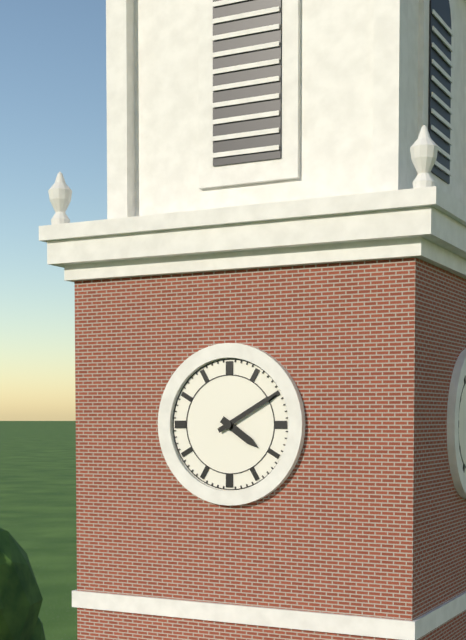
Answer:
h=4 m=10
